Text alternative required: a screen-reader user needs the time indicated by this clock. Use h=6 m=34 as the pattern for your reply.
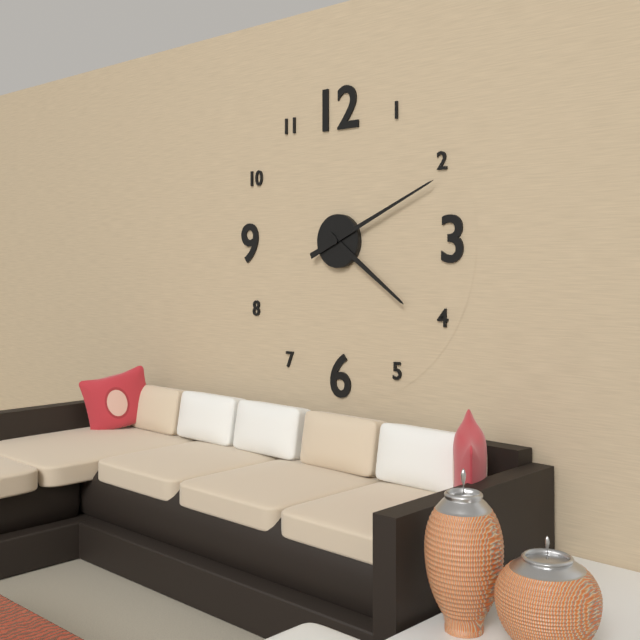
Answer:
h=4 m=11
